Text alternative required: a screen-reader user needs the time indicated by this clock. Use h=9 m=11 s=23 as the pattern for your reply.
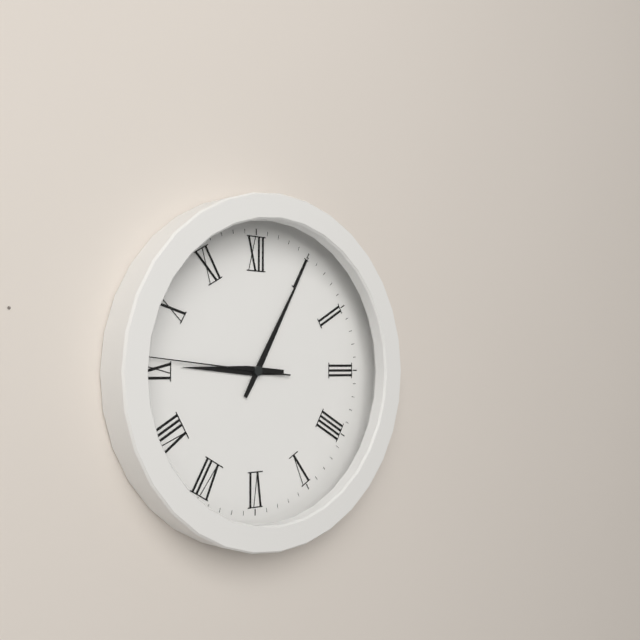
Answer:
h=9 m=5 s=46
